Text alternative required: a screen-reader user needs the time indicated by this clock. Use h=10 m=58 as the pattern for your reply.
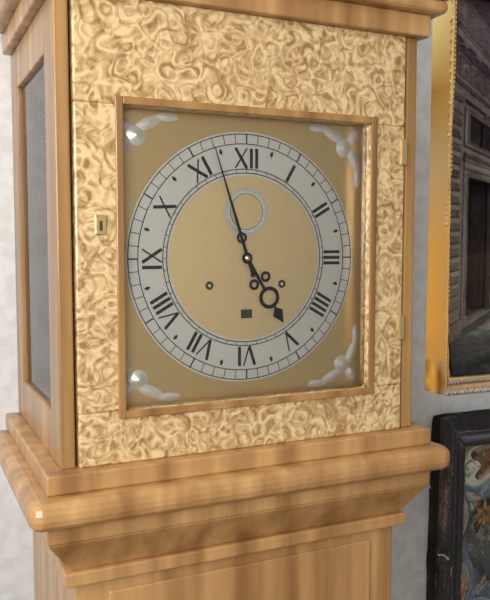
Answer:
h=4 m=57
